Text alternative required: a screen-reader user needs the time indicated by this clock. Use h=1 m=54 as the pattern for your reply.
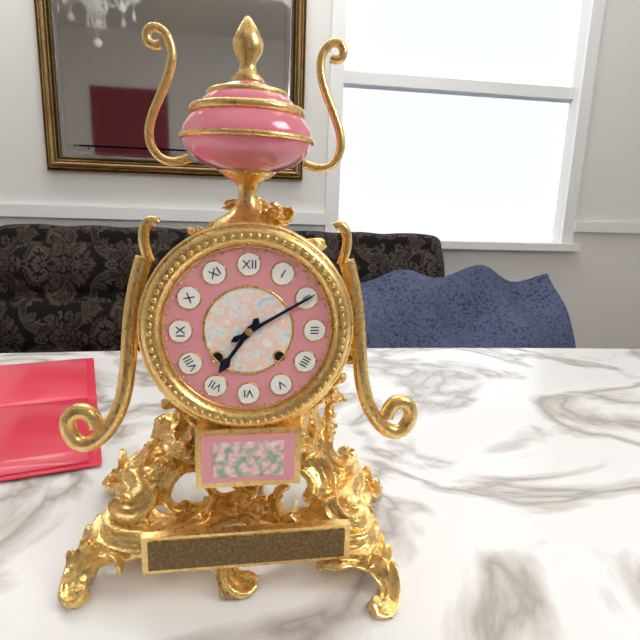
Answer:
h=7 m=10
